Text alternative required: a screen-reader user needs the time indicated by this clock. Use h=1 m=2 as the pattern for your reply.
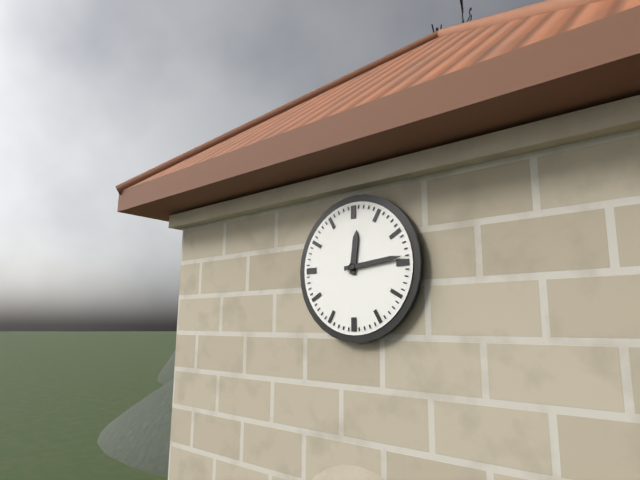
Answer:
h=12 m=14
